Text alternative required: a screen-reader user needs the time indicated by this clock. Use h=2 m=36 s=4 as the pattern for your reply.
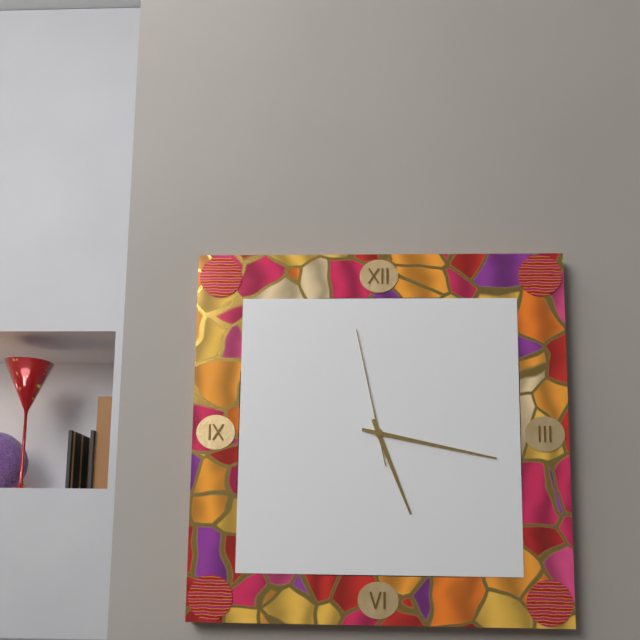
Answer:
h=5 m=17 s=58
